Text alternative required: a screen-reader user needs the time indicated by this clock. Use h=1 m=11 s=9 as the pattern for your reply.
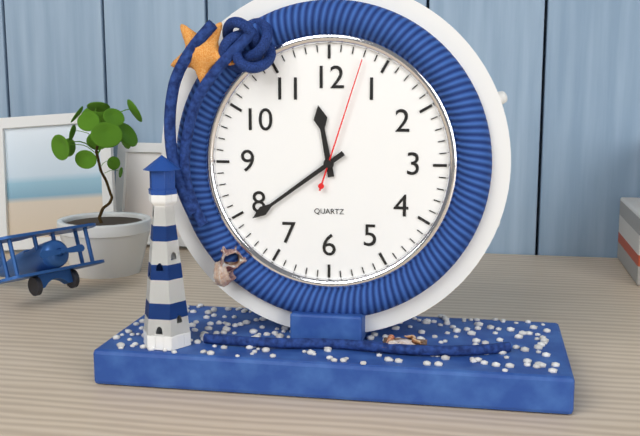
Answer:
h=11 m=39 s=3
